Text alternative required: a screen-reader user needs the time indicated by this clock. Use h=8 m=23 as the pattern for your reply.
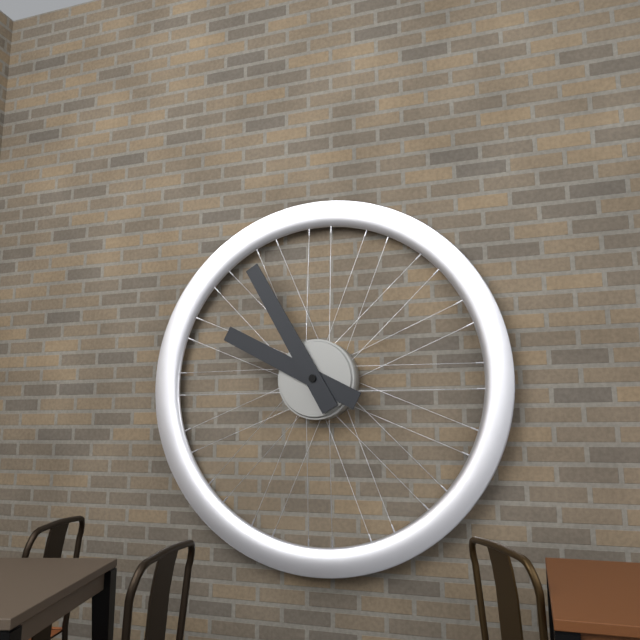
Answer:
h=9 m=55
